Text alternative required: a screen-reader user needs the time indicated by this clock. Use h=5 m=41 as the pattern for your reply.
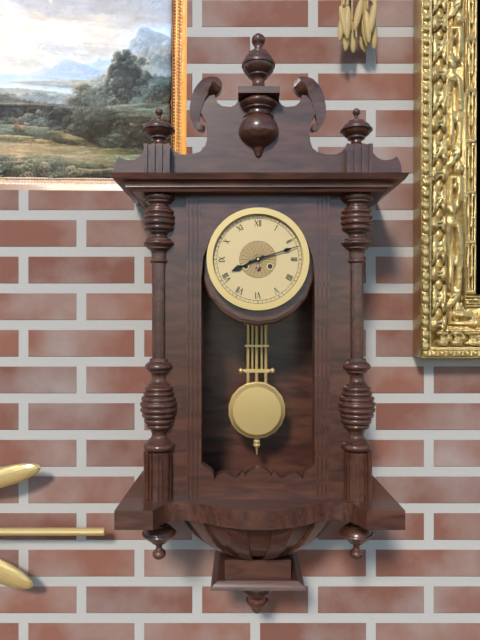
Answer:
h=8 m=12
